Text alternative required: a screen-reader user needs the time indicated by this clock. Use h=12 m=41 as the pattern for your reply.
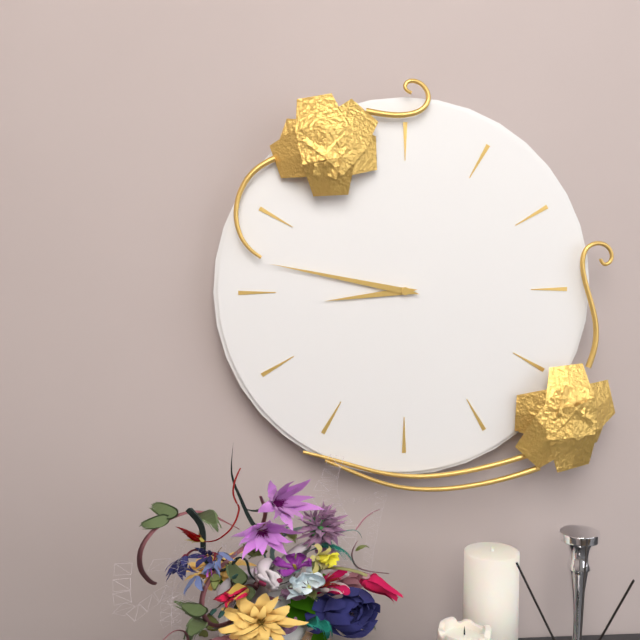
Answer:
h=8 m=47
